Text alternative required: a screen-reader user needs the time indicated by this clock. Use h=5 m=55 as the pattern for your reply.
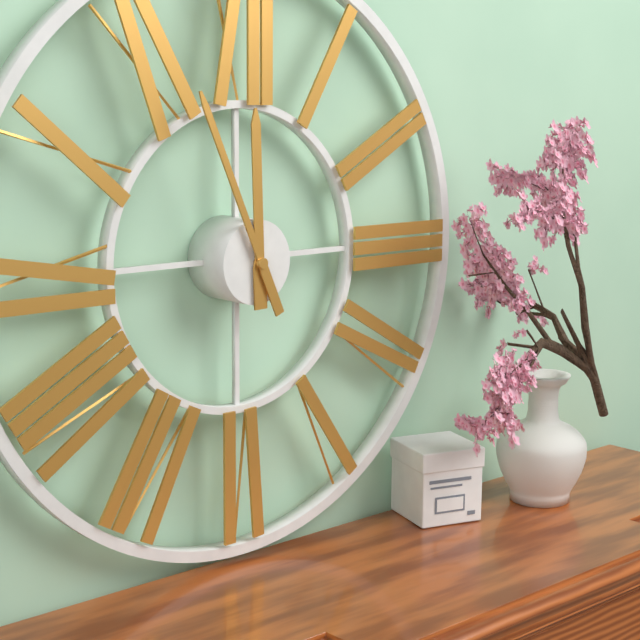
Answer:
h=11 m=56
